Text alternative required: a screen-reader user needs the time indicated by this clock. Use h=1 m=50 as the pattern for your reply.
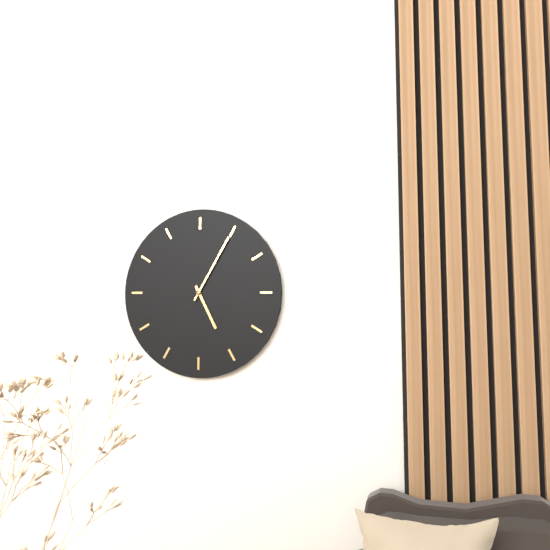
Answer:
h=5 m=5
